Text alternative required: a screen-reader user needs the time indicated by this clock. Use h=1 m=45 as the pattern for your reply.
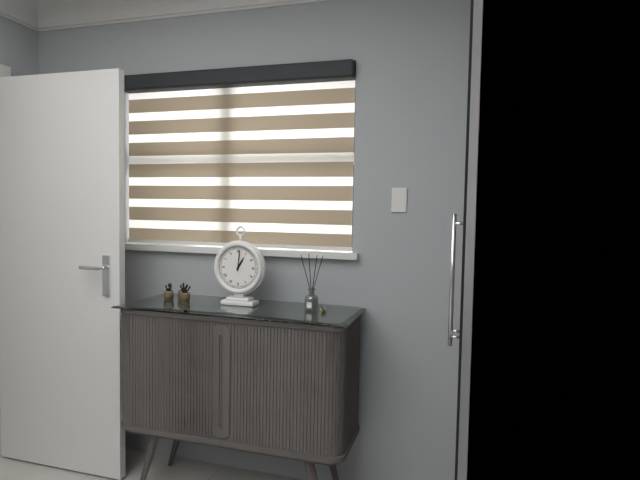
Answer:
h=1 m=1
